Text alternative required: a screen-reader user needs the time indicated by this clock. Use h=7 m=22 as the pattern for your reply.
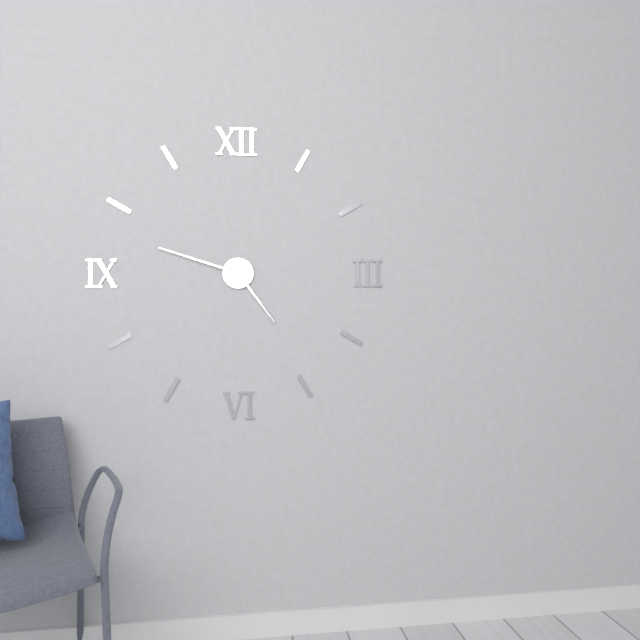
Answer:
h=4 m=48
